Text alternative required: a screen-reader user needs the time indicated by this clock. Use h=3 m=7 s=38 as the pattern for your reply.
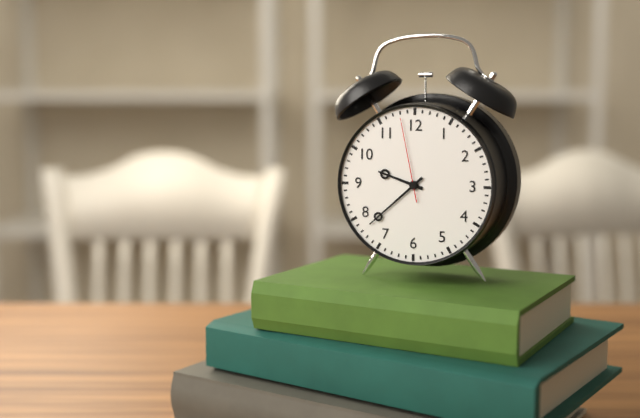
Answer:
h=9 m=38 s=58
